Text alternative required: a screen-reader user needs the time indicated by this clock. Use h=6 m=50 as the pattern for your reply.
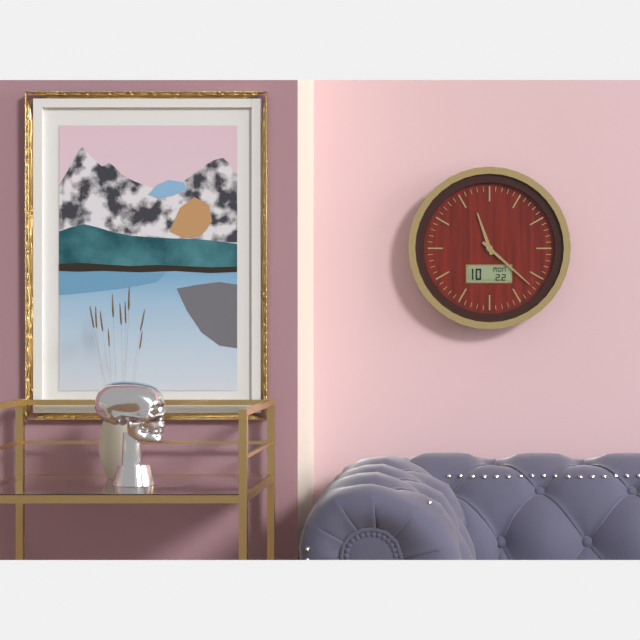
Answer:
h=11 m=22
